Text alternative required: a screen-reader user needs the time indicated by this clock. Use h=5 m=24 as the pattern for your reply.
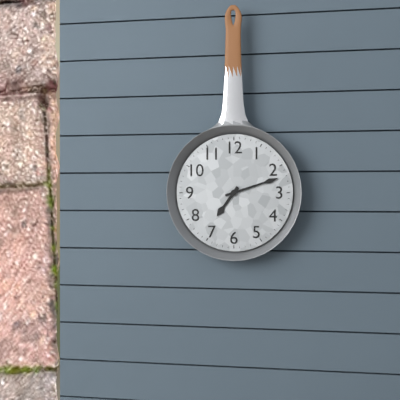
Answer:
h=7 m=12
